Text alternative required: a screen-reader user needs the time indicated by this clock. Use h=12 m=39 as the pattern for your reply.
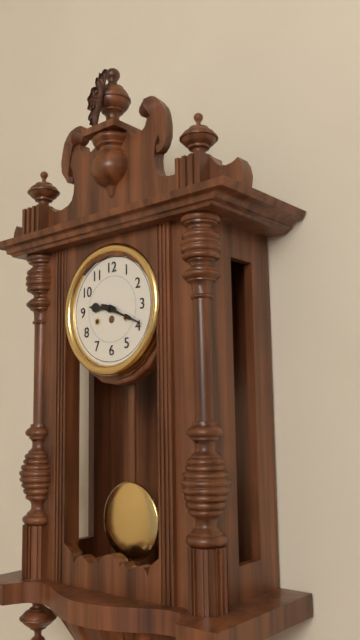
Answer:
h=9 m=19
